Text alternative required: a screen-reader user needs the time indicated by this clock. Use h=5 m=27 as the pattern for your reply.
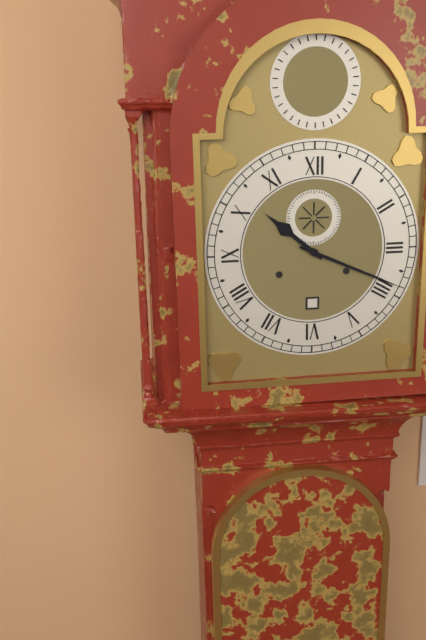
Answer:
h=10 m=19
